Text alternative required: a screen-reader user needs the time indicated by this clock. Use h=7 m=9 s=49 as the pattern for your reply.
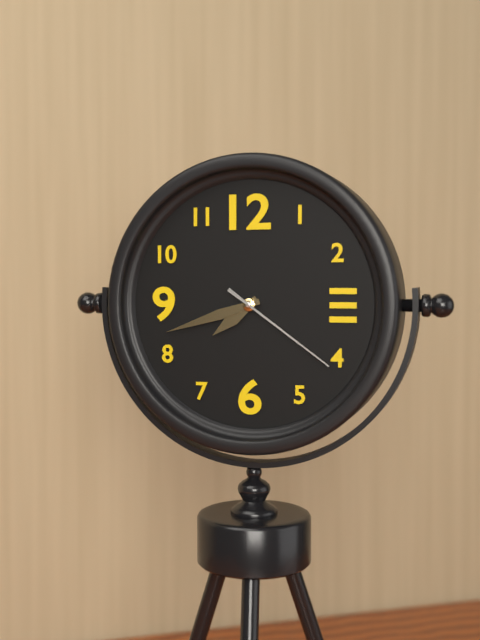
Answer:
h=7 m=42 s=21
